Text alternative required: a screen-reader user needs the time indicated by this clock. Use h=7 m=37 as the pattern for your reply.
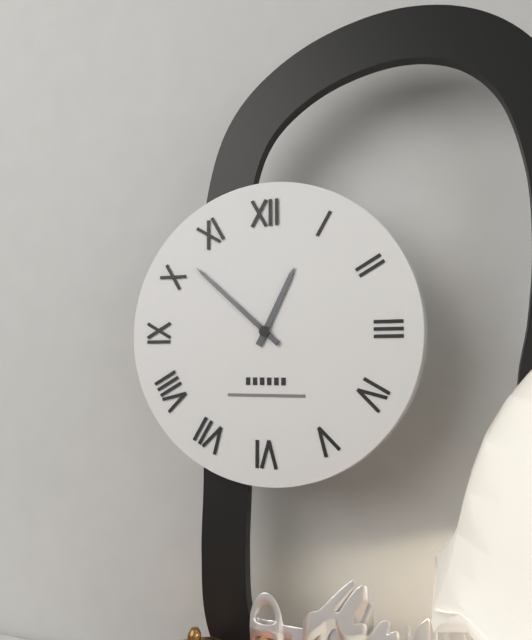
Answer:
h=12 m=52
